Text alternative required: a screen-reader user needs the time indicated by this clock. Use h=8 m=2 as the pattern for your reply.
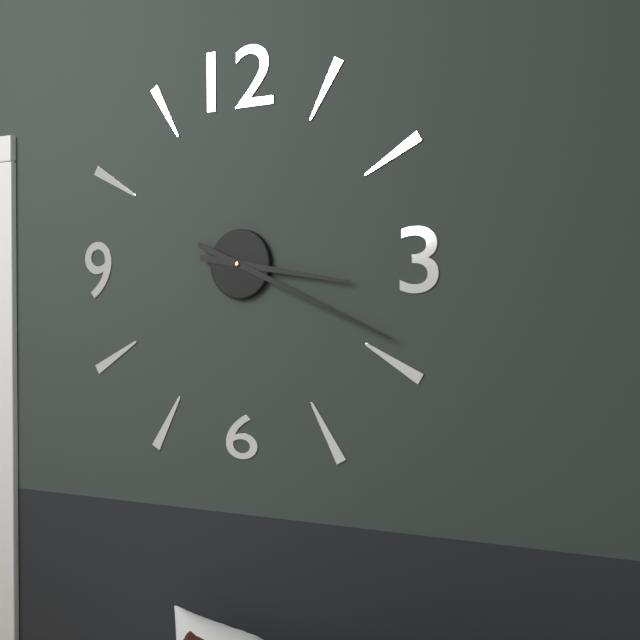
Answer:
h=3 m=19
